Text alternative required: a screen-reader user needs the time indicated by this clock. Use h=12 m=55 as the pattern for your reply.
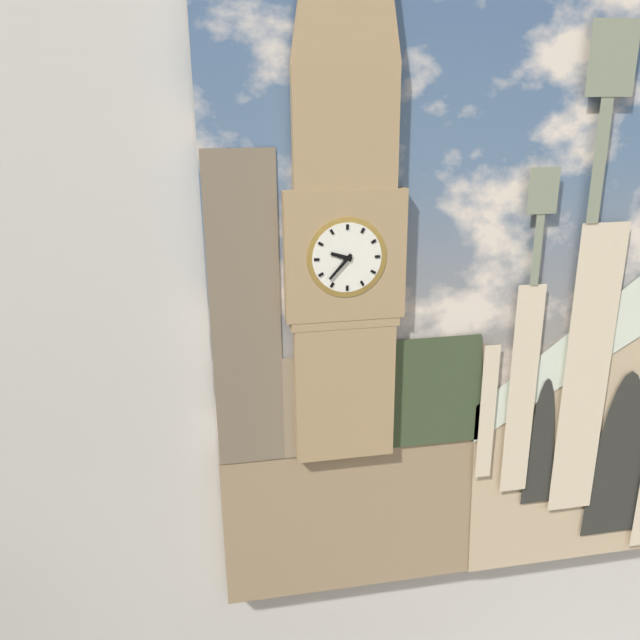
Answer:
h=9 m=37
